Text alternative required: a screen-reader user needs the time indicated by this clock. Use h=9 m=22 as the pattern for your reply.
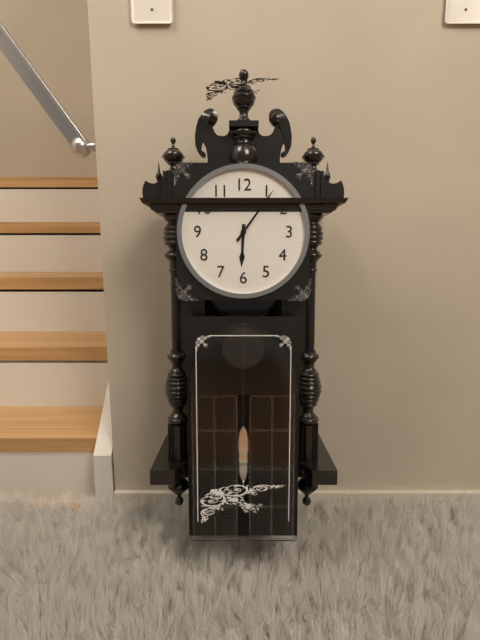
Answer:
h=6 m=6
